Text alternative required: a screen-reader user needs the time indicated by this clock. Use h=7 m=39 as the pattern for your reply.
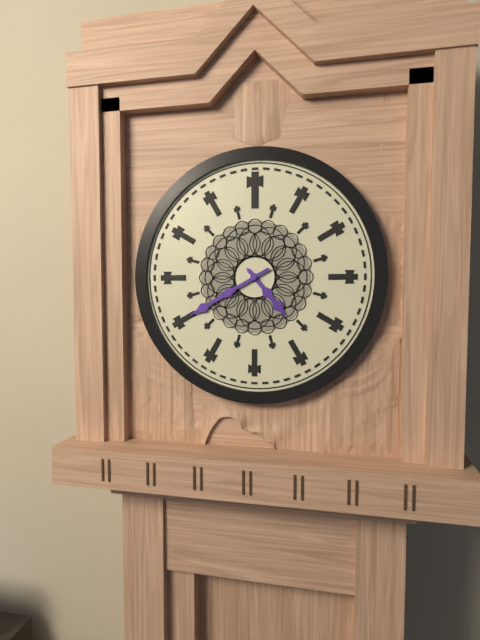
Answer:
h=4 m=40
